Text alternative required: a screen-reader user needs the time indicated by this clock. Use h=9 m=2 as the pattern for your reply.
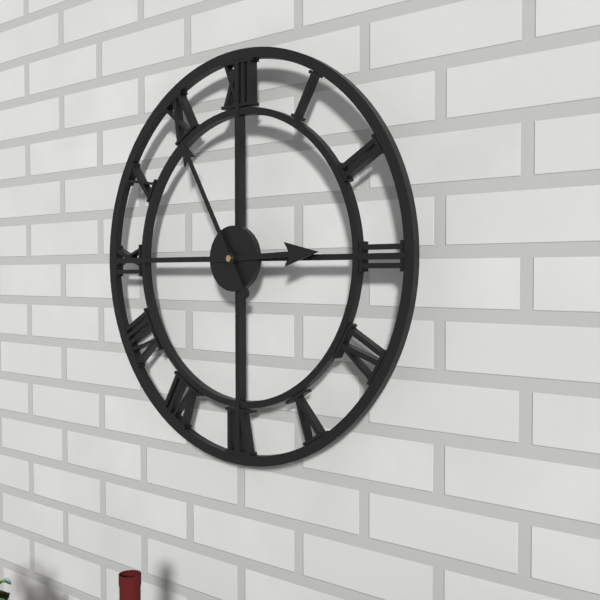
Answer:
h=2 m=55
